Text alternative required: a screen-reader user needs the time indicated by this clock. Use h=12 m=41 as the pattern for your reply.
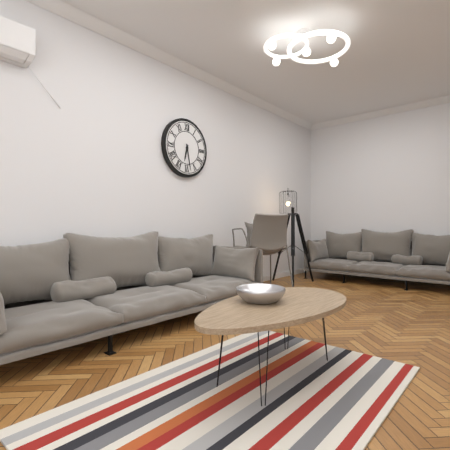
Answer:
h=6 m=28
